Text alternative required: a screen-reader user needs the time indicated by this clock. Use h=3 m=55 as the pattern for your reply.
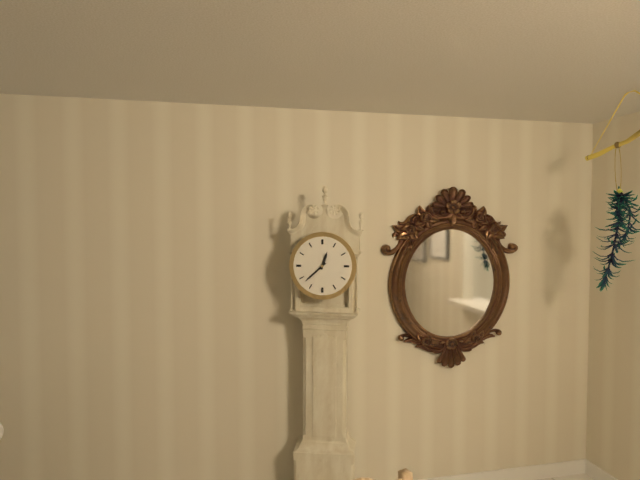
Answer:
h=12 m=38
